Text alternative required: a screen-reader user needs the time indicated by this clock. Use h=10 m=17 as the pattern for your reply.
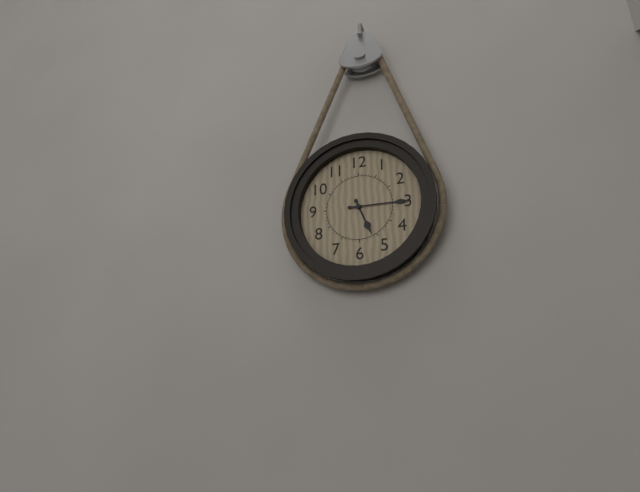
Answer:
h=5 m=15
